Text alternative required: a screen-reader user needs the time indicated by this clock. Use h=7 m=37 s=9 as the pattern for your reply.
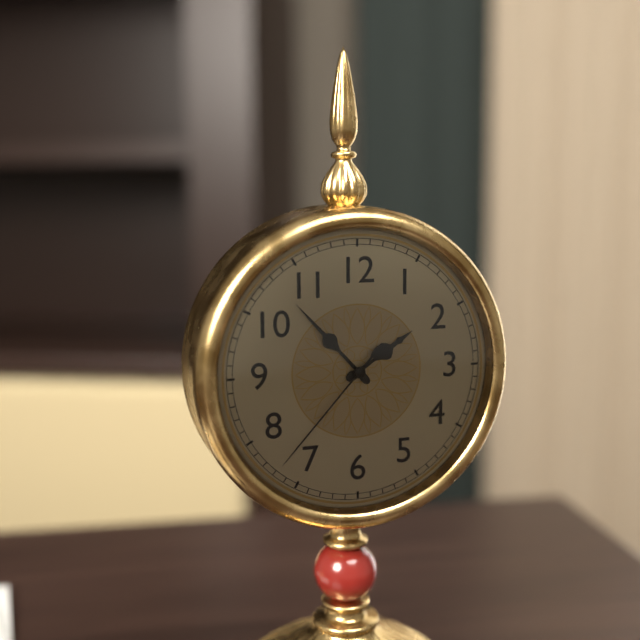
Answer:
h=1 m=53 s=37
